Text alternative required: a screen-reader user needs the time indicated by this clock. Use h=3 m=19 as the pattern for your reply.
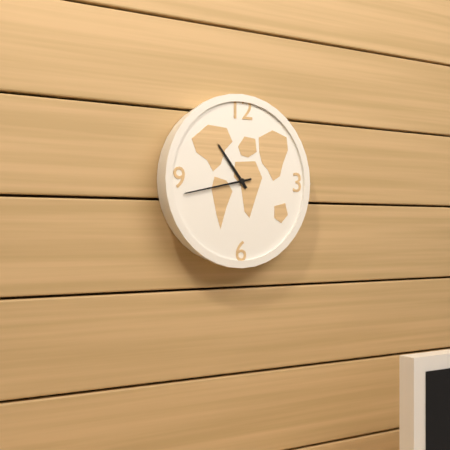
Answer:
h=10 m=43
